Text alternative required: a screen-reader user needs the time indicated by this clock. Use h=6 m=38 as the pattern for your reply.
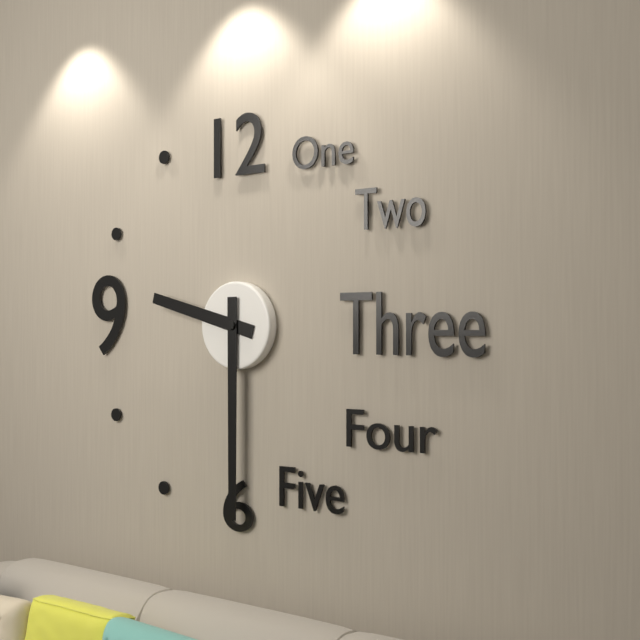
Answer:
h=9 m=30
